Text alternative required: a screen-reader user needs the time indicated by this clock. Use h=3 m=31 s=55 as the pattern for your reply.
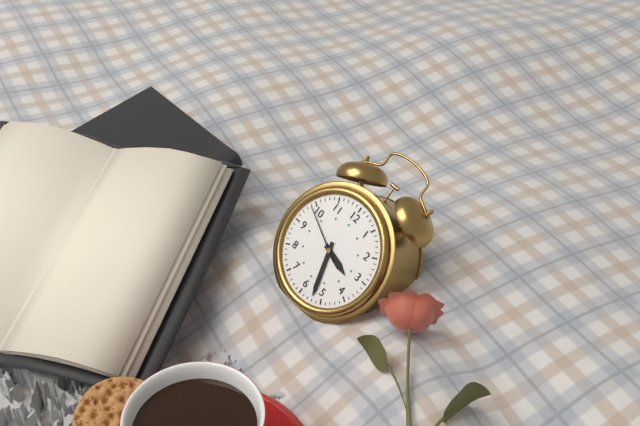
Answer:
h=3 m=27 s=49
